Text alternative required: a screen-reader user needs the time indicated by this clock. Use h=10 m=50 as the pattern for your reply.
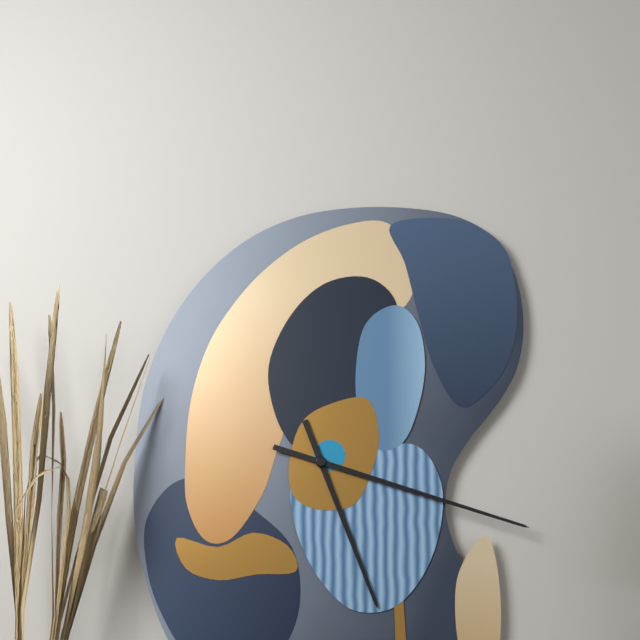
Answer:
h=5 m=18
